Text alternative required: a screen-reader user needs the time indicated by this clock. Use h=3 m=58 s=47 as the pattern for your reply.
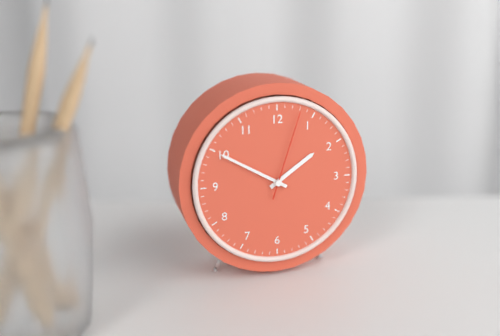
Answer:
h=1 m=50 s=3
